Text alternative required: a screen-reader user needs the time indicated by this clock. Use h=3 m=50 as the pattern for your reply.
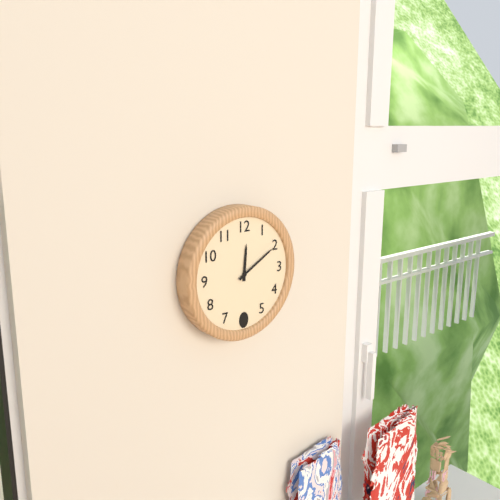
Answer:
h=12 m=10
